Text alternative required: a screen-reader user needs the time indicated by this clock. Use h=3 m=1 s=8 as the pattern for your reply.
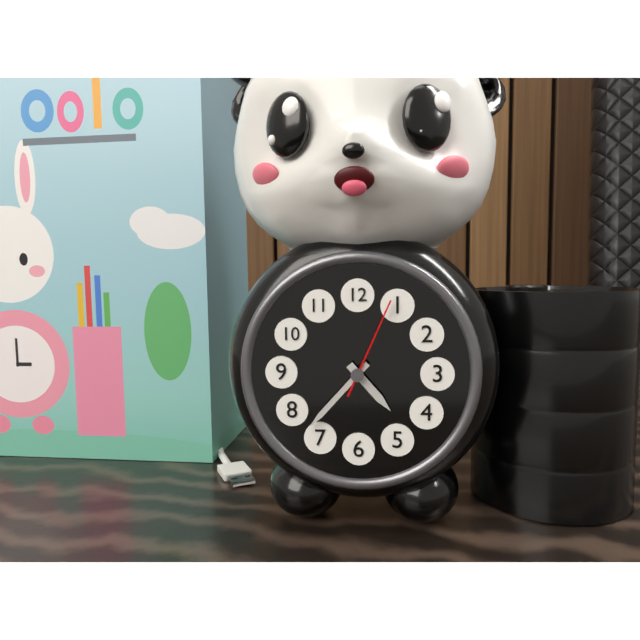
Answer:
h=4 m=37 s=4
